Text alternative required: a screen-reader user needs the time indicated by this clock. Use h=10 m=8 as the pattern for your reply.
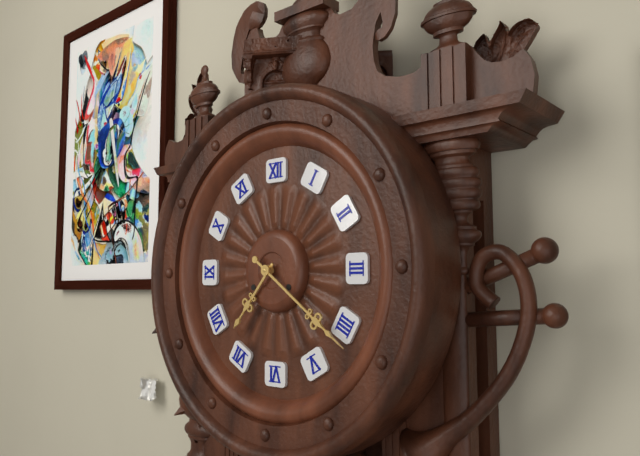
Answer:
h=7 m=21
